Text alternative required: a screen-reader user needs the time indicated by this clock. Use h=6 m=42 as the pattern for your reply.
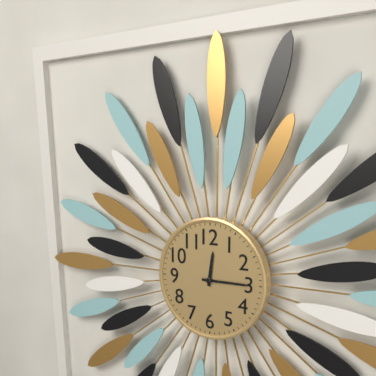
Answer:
h=12 m=15
